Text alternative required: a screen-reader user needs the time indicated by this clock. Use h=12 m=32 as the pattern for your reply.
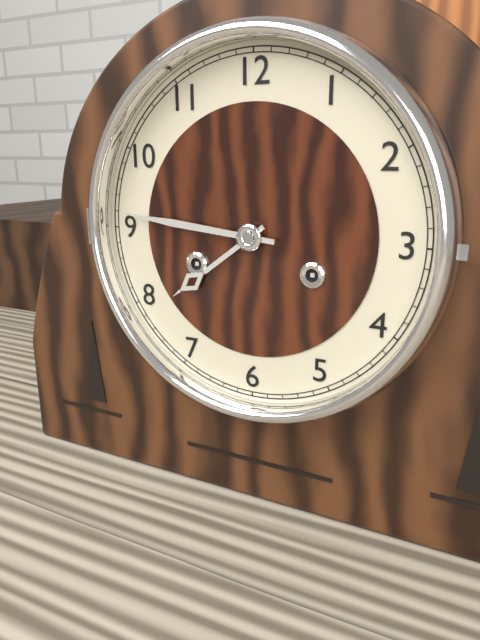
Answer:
h=7 m=46
